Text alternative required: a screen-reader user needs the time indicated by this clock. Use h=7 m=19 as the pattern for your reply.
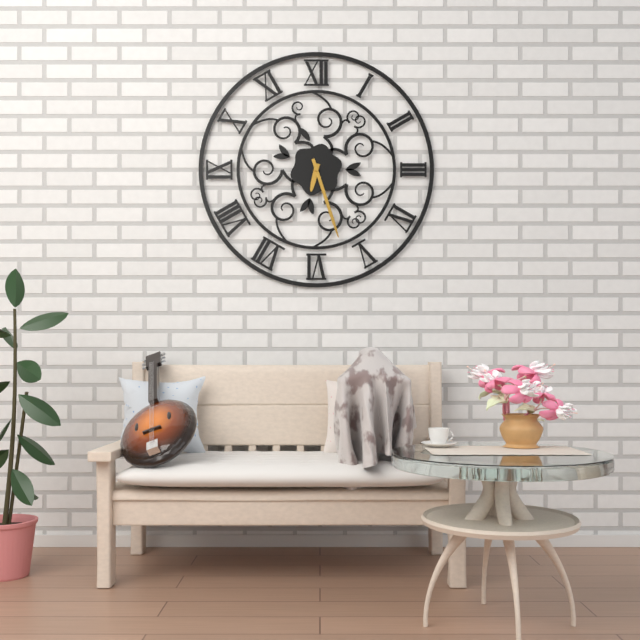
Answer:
h=6 m=27
